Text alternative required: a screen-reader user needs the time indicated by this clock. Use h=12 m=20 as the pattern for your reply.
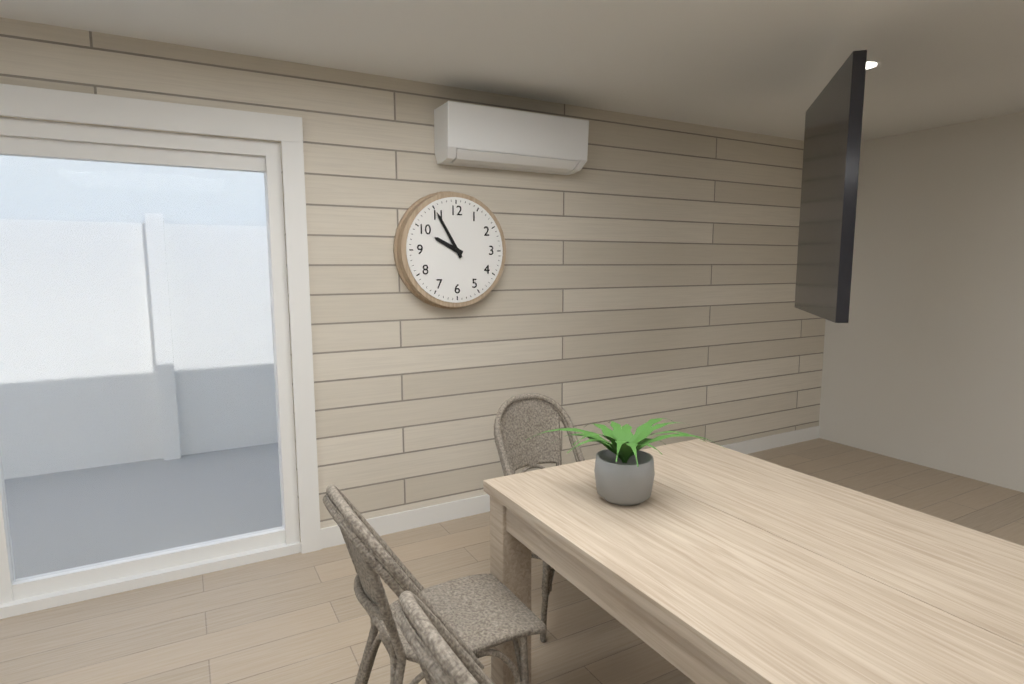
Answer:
h=9 m=55
